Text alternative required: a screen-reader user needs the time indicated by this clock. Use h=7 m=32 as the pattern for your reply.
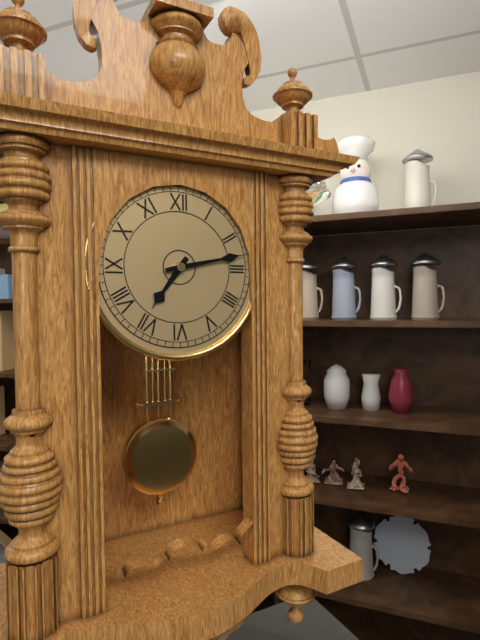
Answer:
h=7 m=13
